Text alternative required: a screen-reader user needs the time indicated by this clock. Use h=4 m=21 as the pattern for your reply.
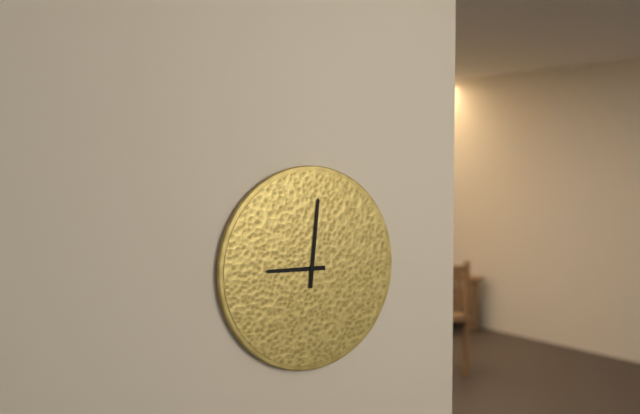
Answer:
h=9 m=1
